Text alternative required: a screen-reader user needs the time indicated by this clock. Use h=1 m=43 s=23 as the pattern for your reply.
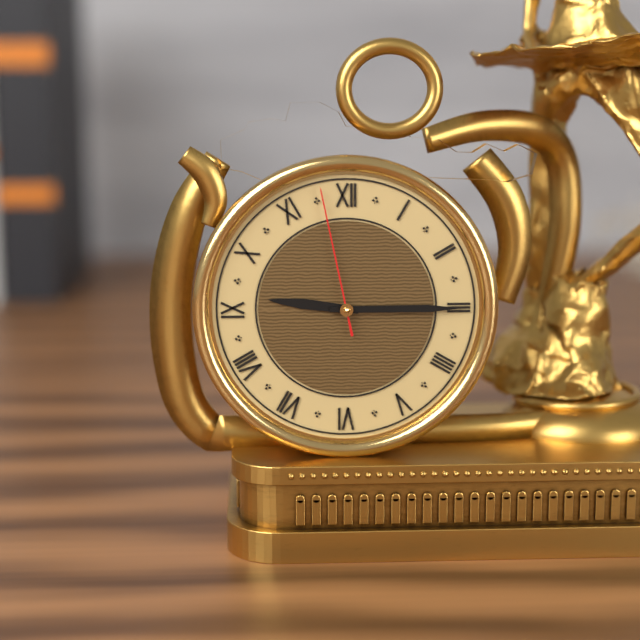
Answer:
h=9 m=15 s=58
